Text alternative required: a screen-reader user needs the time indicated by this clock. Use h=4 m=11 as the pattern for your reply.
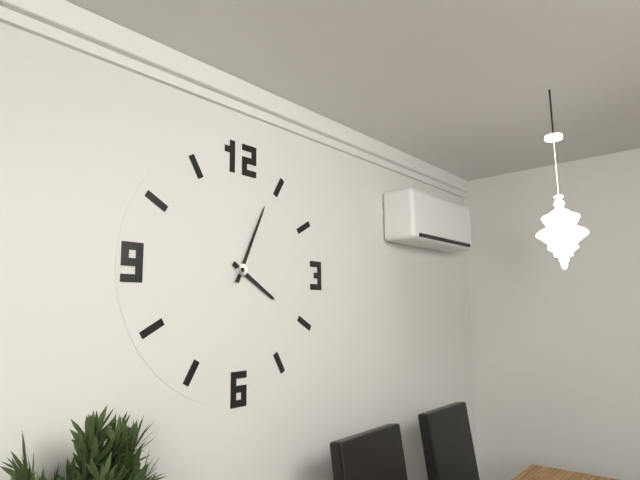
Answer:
h=4 m=4
